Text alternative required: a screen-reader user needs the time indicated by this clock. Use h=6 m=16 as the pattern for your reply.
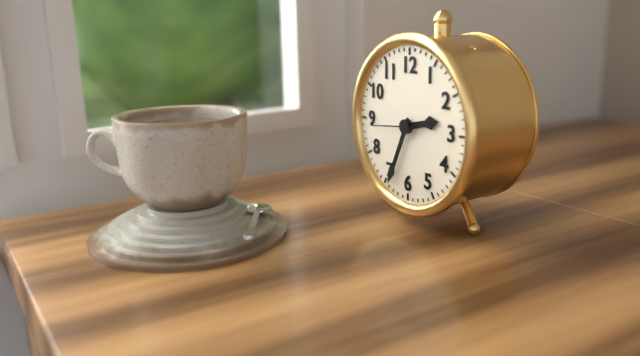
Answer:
h=2 m=34
